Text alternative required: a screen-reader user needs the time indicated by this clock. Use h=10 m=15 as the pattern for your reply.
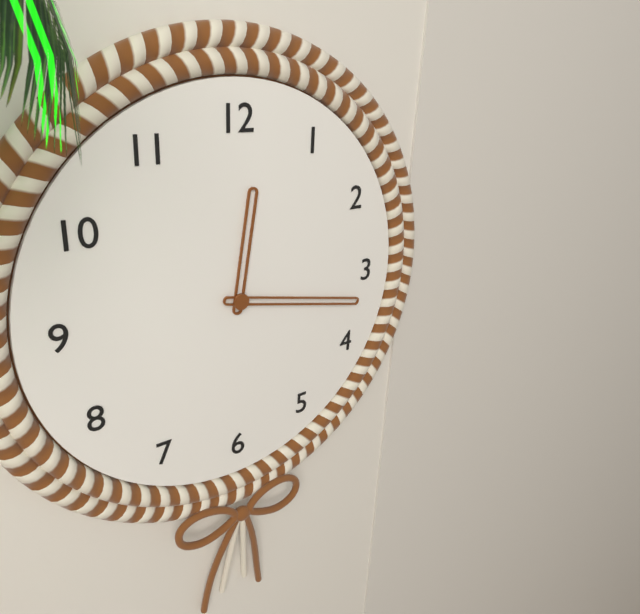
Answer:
h=12 m=17
